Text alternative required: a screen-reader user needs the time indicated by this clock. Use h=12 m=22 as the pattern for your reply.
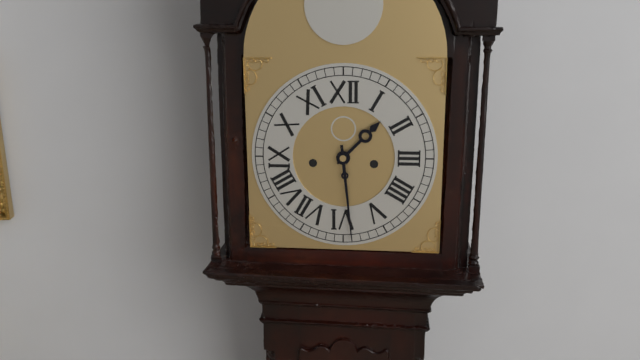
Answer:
h=1 m=29
